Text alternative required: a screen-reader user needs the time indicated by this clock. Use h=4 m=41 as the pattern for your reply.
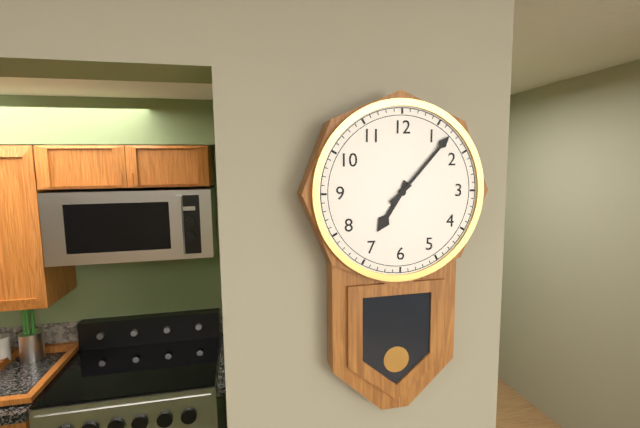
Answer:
h=7 m=7
